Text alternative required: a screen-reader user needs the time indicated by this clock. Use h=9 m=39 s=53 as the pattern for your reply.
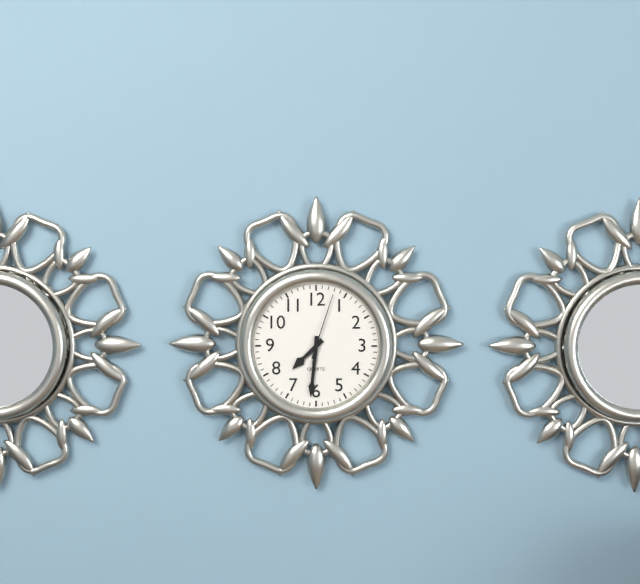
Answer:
h=7 m=31 s=3
